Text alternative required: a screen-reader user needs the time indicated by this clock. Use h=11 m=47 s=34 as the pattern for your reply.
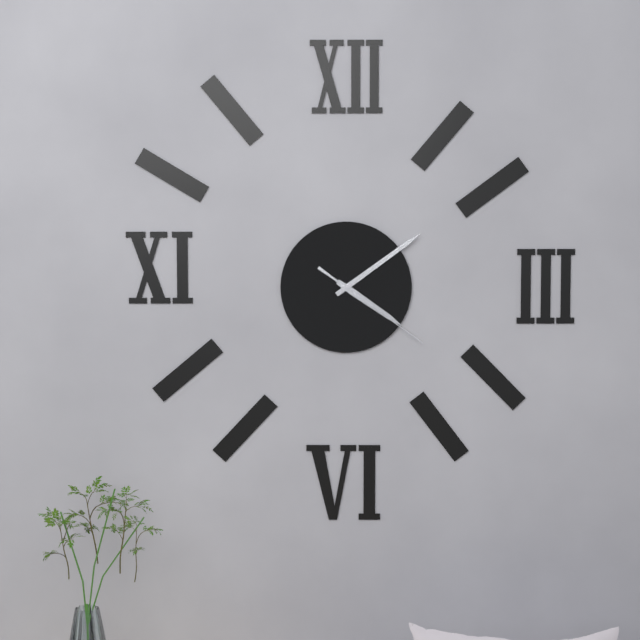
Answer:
h=4 m=9 s=21
